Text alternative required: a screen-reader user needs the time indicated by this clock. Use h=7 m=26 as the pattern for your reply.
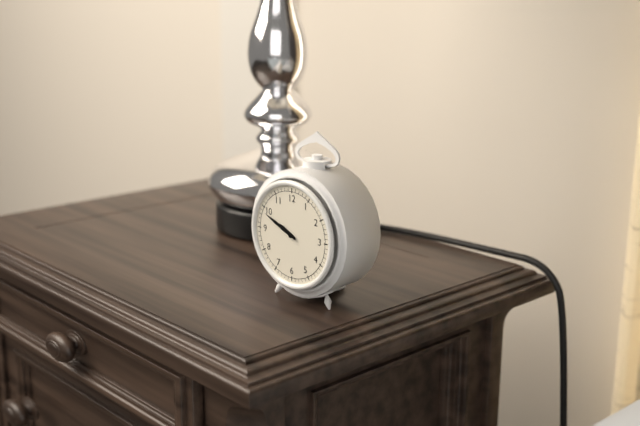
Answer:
h=9 m=49
